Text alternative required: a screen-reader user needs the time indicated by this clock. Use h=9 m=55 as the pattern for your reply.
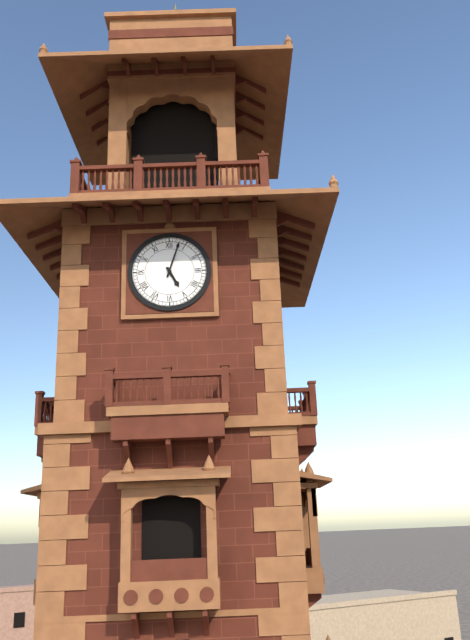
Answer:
h=5 m=3
